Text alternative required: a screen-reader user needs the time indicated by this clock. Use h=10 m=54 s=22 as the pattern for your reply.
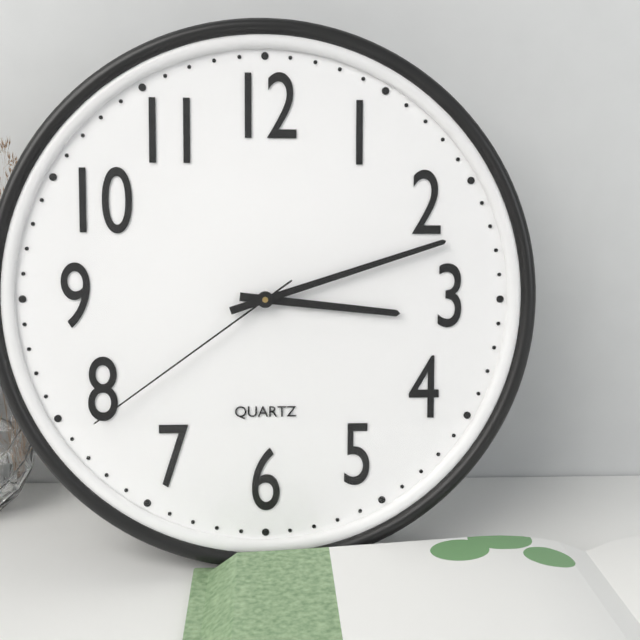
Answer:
h=3 m=12 s=39
